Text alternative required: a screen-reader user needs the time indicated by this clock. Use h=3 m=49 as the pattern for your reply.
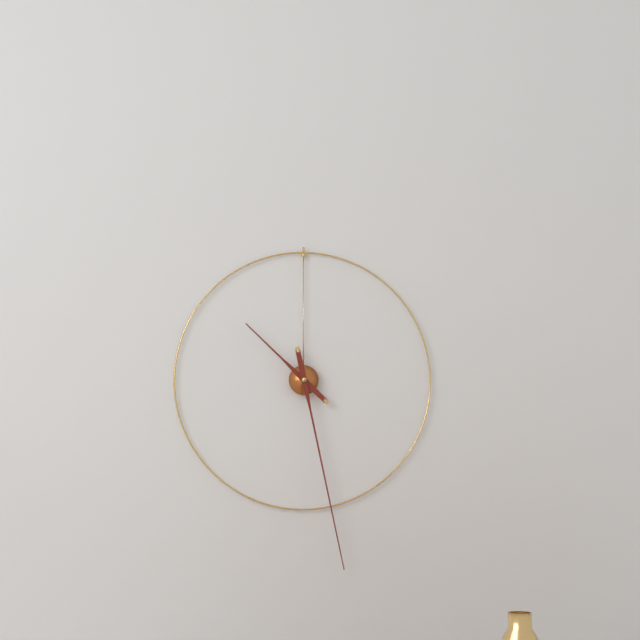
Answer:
h=10 m=28
